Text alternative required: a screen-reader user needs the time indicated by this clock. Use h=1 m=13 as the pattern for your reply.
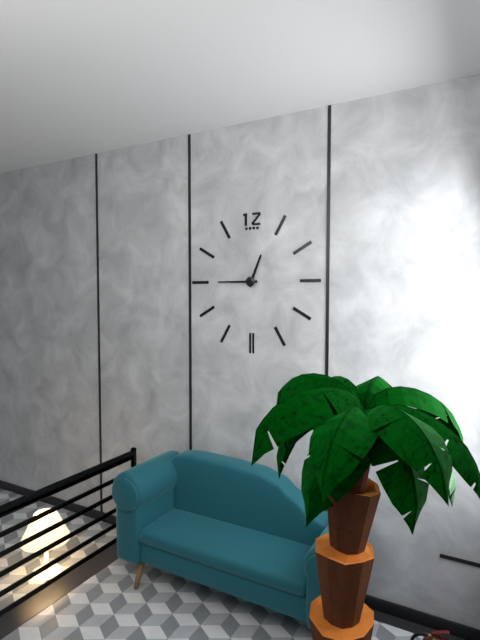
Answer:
h=12 m=45
